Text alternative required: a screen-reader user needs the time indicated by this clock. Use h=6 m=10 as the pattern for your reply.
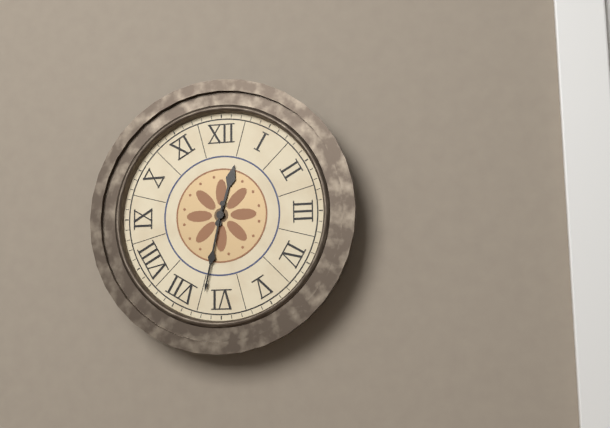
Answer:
h=12 m=32
